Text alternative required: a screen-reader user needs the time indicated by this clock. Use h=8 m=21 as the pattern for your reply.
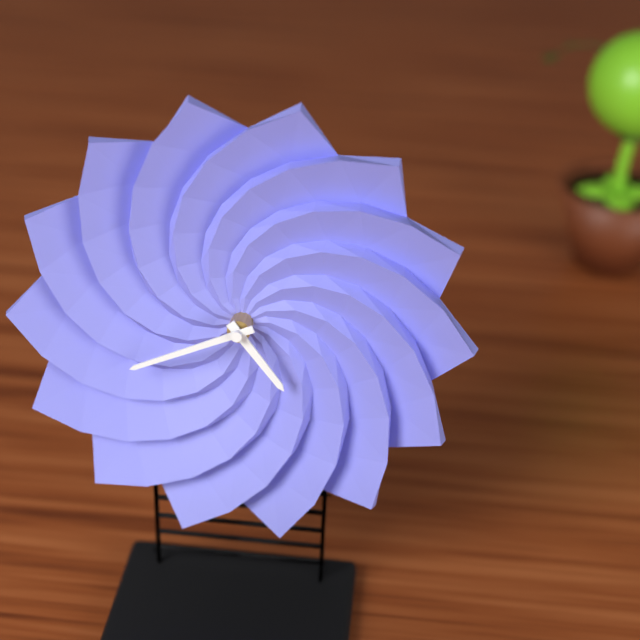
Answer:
h=4 m=41
